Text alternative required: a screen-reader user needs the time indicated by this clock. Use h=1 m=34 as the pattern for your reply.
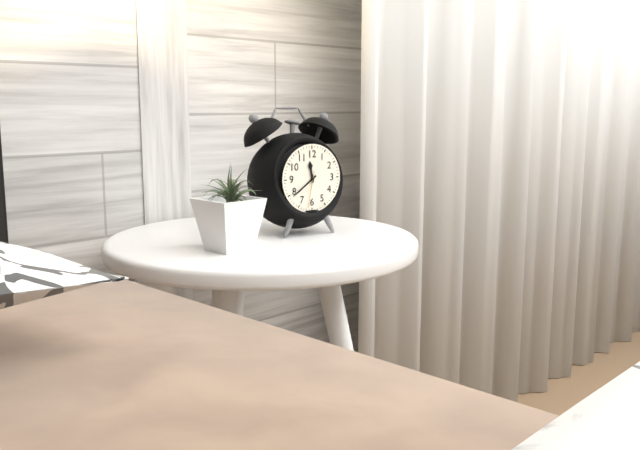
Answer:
h=11 m=39
